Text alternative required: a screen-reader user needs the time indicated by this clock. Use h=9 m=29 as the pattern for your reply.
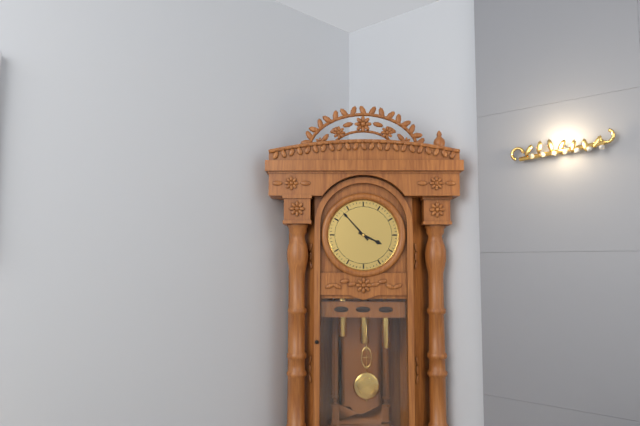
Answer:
h=3 m=53
